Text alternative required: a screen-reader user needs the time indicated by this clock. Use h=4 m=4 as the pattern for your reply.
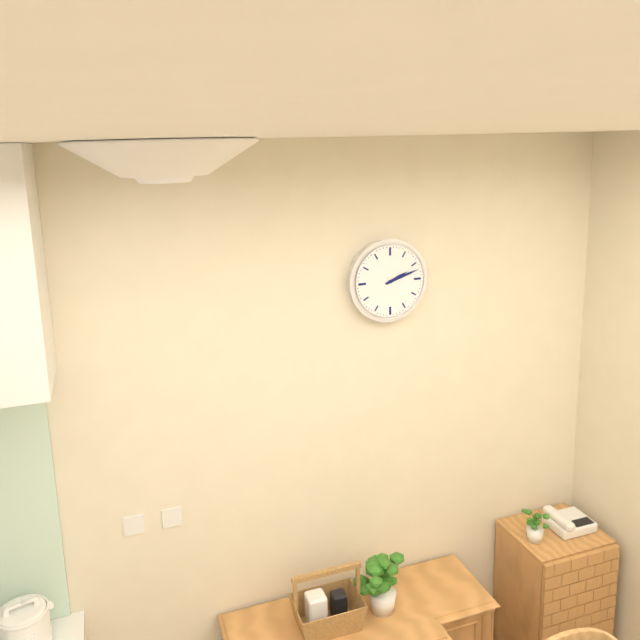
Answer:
h=2 m=12
